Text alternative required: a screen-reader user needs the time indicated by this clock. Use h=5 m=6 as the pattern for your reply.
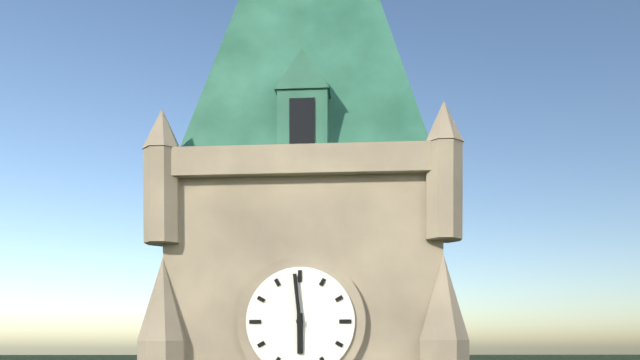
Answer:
h=5 m=59
